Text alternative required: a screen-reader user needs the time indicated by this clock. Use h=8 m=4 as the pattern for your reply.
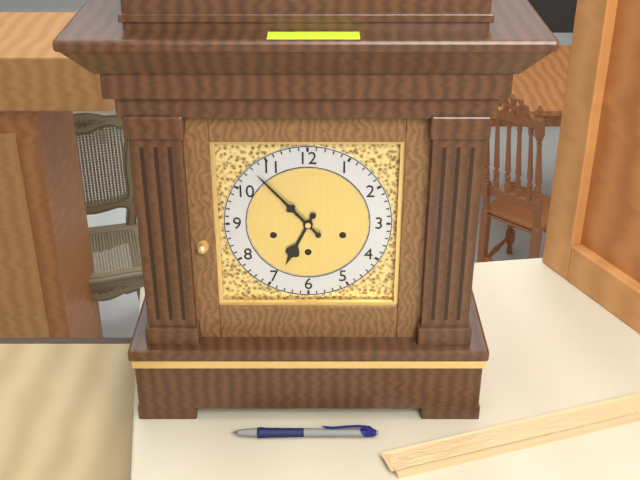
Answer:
h=6 m=53
